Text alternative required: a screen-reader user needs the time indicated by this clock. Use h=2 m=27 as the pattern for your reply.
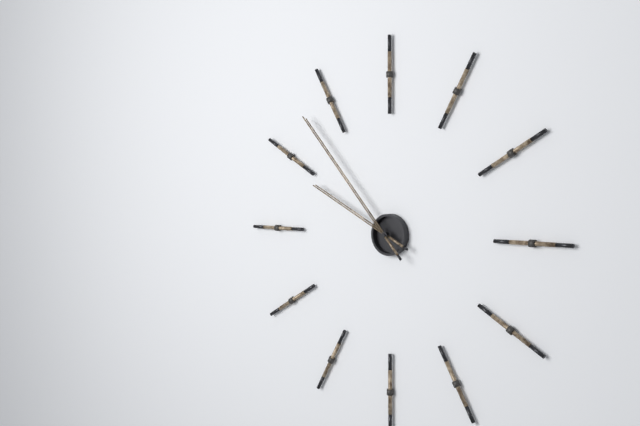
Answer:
h=9 m=53
